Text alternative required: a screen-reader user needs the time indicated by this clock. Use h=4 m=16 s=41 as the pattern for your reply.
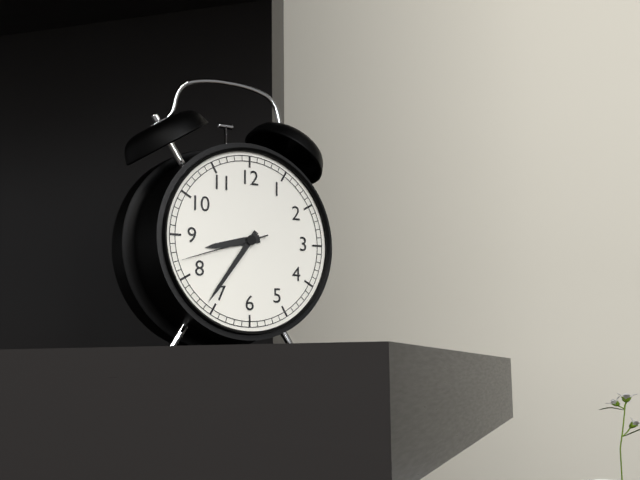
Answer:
h=8 m=36 s=42
